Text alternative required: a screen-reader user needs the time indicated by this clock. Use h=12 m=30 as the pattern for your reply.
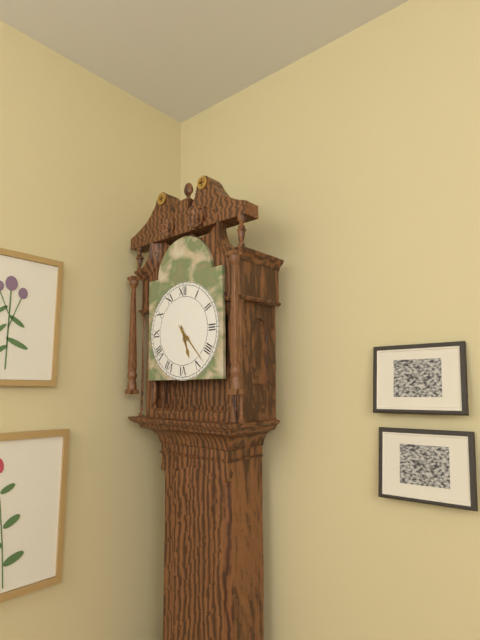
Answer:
h=5 m=23
